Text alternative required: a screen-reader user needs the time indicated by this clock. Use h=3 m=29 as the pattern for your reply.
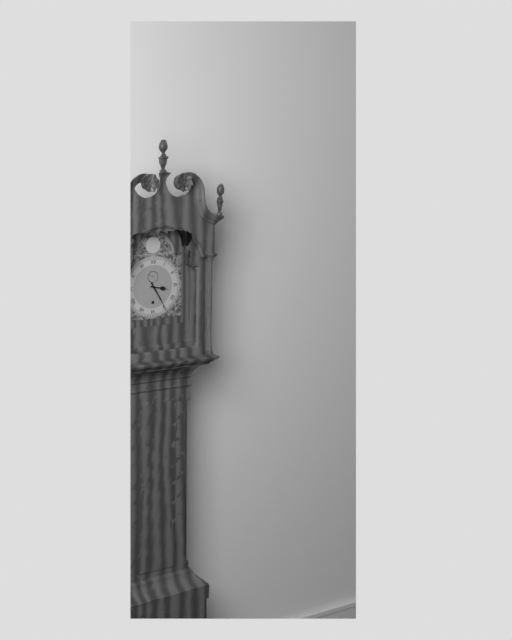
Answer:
h=3 m=25
